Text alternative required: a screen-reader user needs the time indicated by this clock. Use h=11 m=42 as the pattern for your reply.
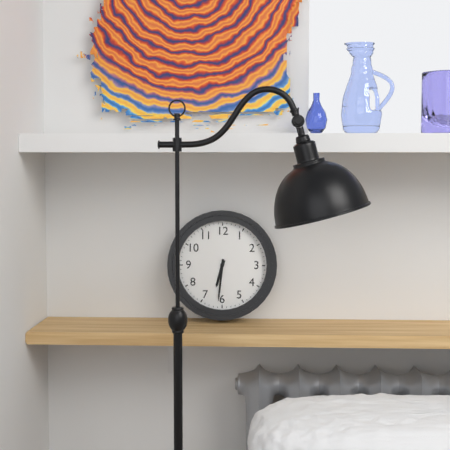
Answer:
h=6 m=31
